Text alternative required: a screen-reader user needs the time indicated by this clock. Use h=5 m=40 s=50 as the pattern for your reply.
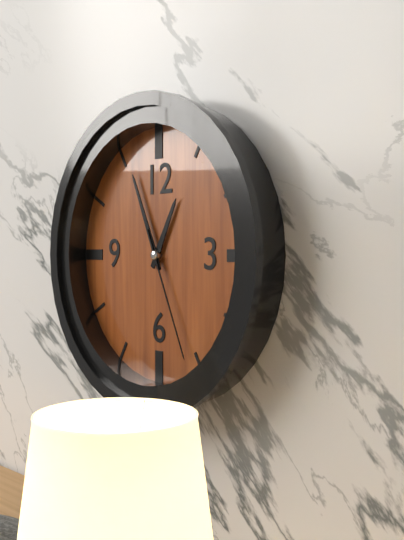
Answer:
h=12 m=56 s=26
